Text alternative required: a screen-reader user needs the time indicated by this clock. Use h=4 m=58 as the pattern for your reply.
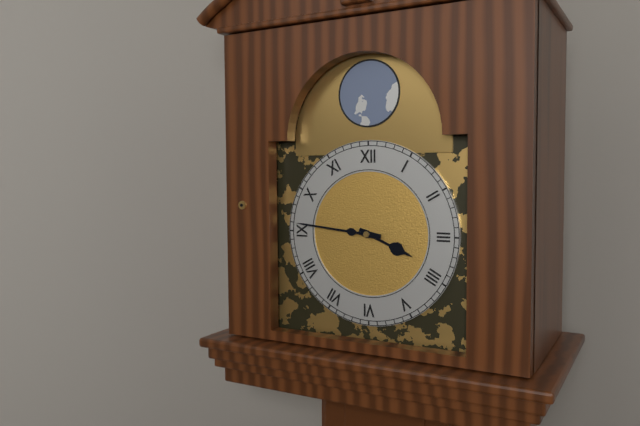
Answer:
h=3 m=46
